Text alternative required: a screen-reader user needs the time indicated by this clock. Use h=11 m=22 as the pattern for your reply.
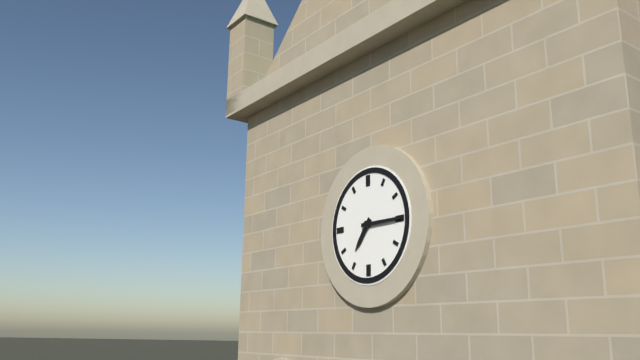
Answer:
h=7 m=15
